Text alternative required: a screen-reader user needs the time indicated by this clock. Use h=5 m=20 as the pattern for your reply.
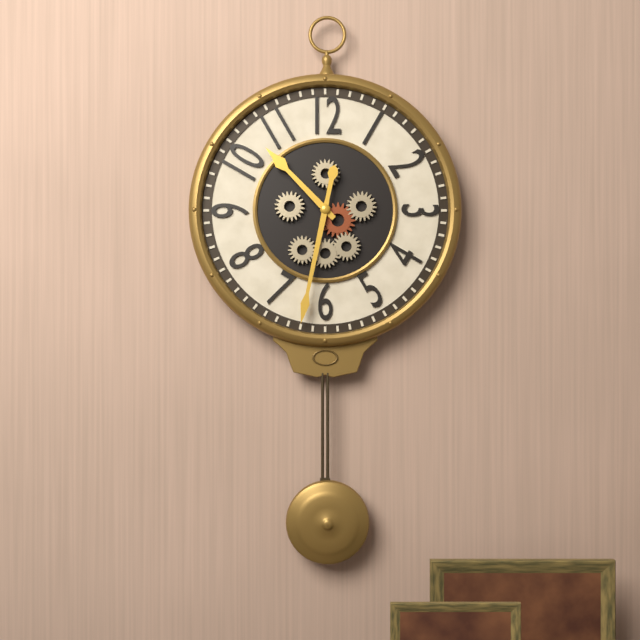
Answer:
h=10 m=32
